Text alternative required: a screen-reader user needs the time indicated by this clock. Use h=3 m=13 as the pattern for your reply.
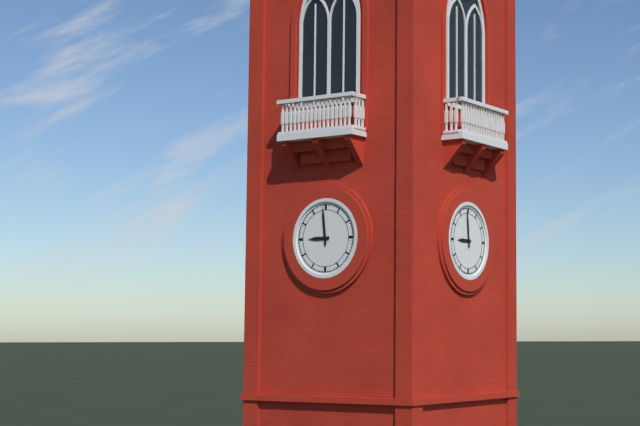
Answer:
h=8 m=59
